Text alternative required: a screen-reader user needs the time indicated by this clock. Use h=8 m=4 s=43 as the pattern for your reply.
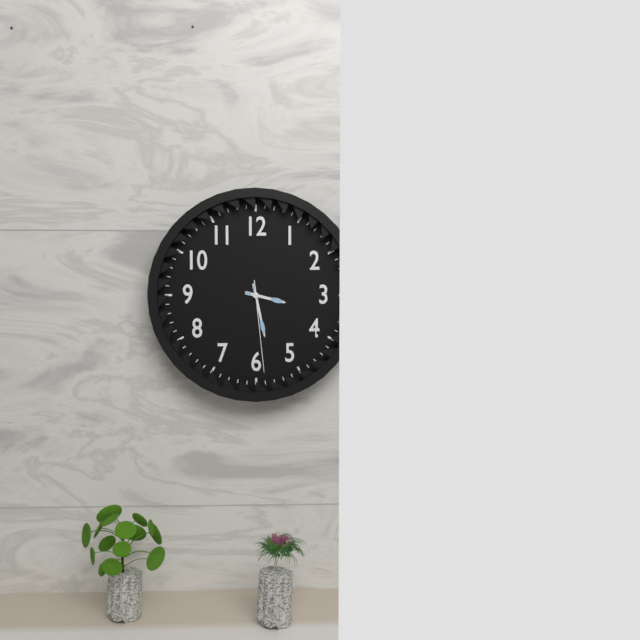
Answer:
h=3 m=28 s=29
